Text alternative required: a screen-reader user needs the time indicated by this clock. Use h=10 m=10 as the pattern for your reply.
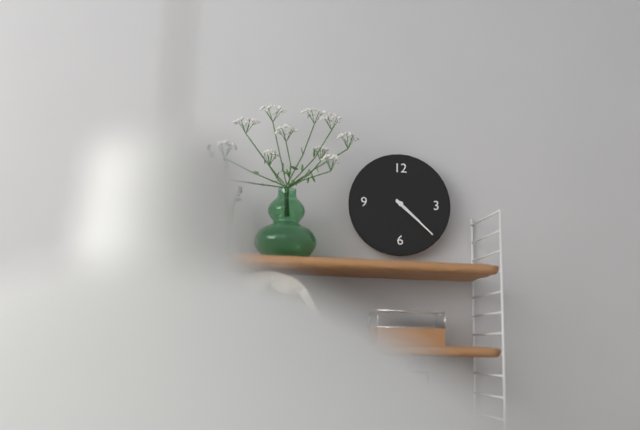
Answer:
h=4 m=22
